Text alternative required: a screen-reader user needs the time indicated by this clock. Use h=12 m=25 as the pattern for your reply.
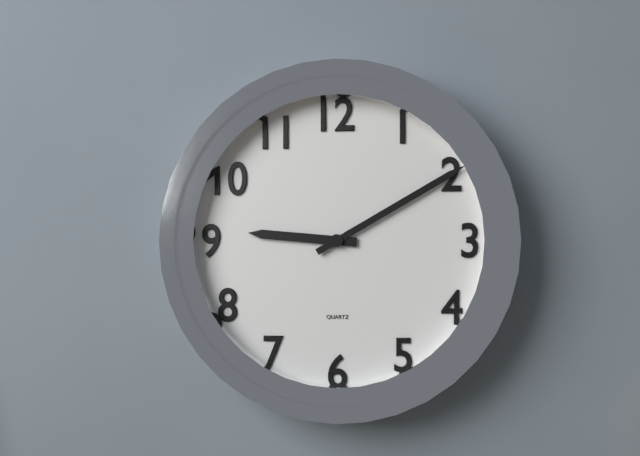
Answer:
h=9 m=10
